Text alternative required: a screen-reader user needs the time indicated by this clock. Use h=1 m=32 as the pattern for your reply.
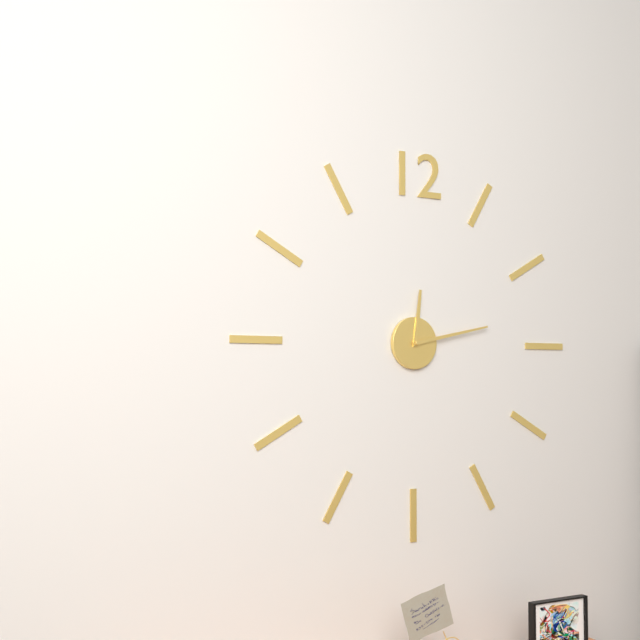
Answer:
h=12 m=13
